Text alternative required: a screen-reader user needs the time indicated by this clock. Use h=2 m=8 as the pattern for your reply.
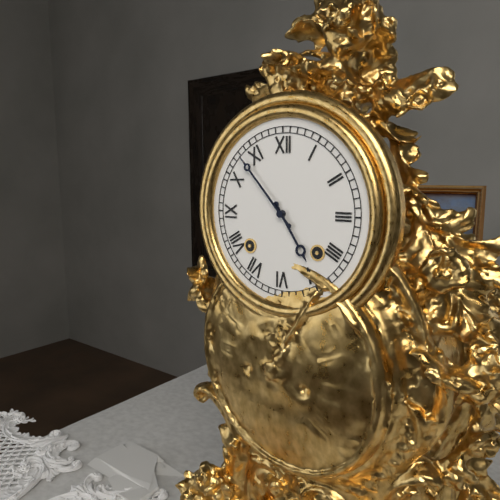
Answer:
h=4 m=53
